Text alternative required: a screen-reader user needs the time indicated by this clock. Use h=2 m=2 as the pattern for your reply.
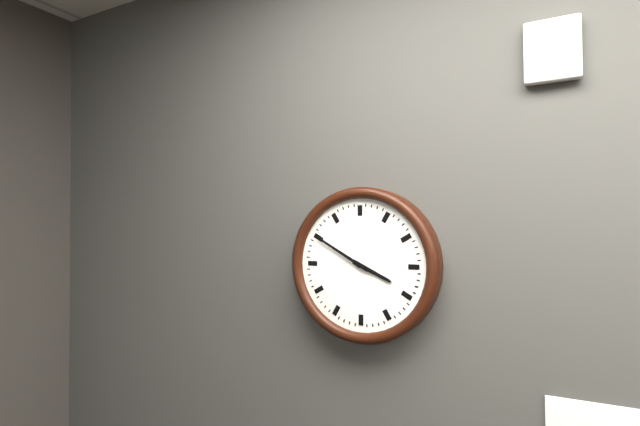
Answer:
h=3 m=50
